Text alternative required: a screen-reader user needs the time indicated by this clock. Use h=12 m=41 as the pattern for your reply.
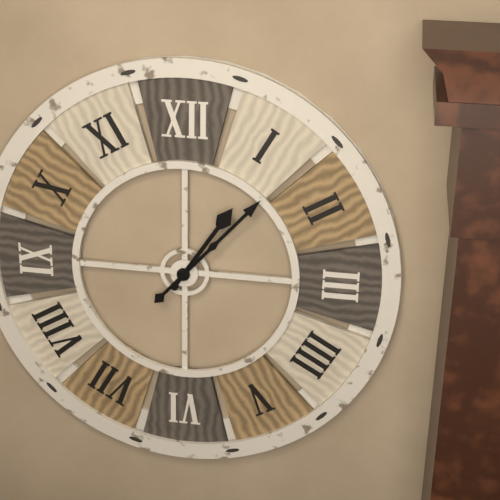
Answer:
h=1 m=7
